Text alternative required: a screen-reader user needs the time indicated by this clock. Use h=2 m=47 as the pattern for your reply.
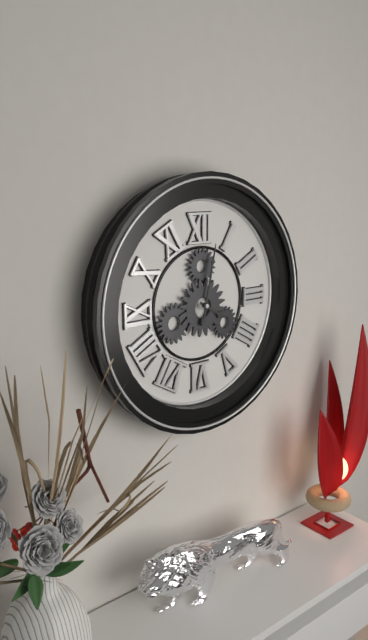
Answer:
h=4 m=2
